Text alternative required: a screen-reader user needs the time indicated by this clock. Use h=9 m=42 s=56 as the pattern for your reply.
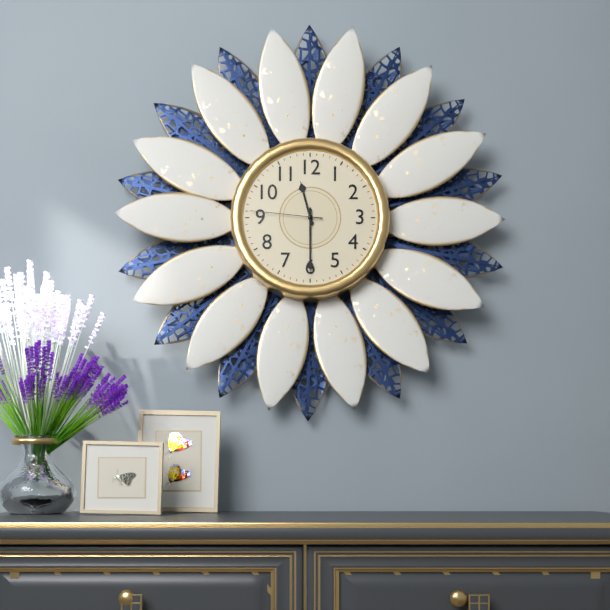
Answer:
h=11 m=30 s=46
